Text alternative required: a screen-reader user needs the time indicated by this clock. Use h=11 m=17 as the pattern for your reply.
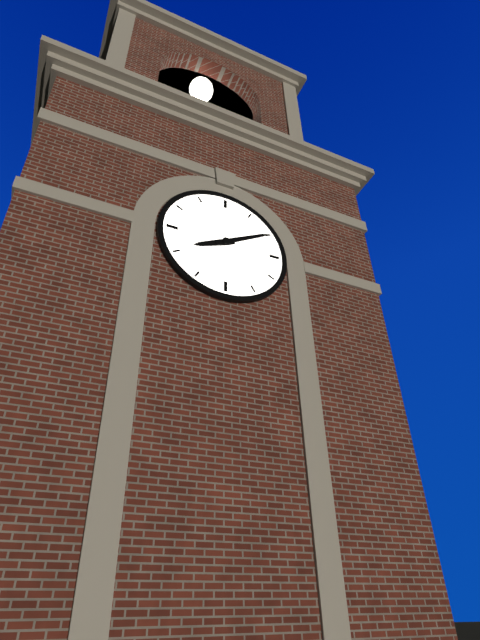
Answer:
h=8 m=10
